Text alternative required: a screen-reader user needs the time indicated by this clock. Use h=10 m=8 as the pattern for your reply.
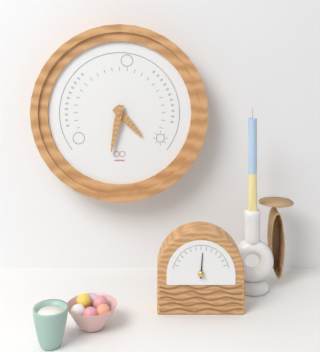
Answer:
h=4 m=32
